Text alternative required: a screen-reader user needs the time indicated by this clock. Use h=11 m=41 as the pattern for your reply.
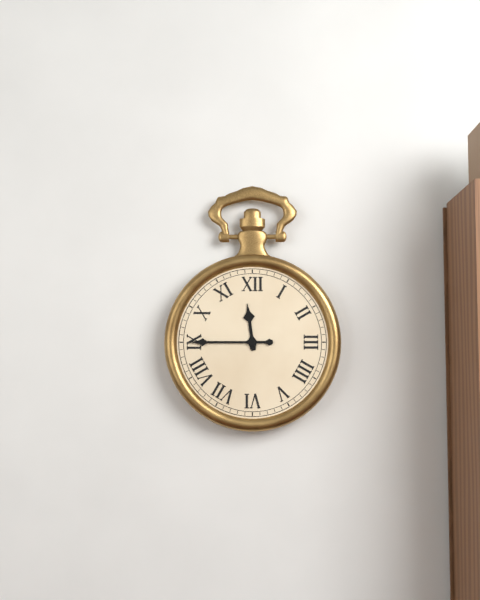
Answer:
h=11 m=45
